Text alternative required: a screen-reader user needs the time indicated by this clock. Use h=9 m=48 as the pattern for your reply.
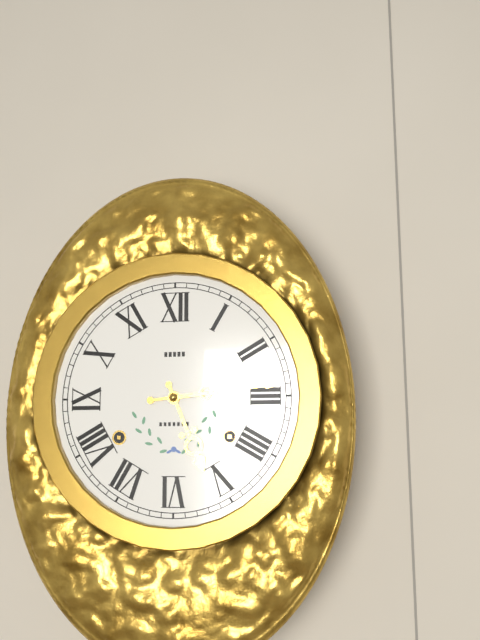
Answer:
h=5 m=14
